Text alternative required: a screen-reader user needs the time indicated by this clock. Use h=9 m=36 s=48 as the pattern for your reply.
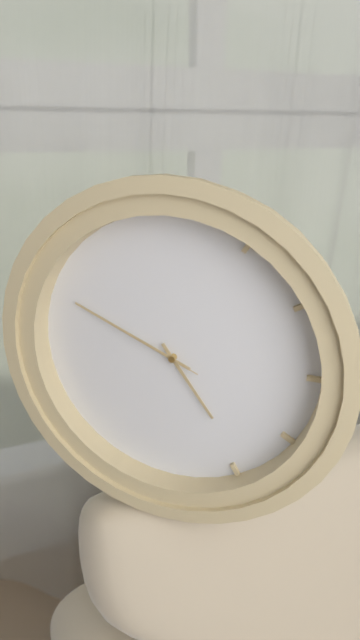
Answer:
h=4 m=49 s=49
